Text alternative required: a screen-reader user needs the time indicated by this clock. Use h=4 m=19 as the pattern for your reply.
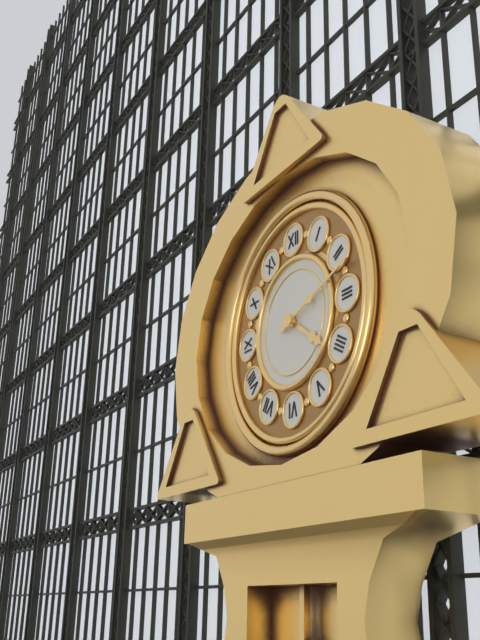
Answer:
h=4 m=12
